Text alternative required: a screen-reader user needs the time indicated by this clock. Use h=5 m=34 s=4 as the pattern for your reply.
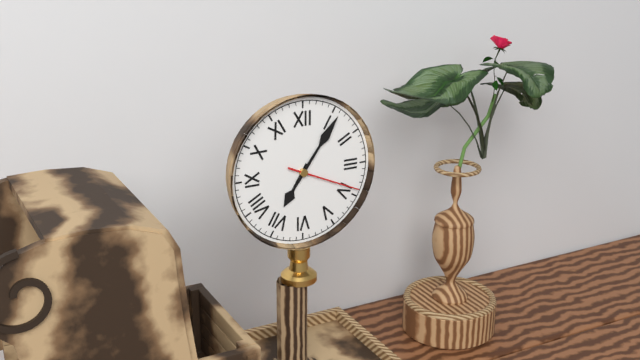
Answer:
h=7 m=6 s=19
